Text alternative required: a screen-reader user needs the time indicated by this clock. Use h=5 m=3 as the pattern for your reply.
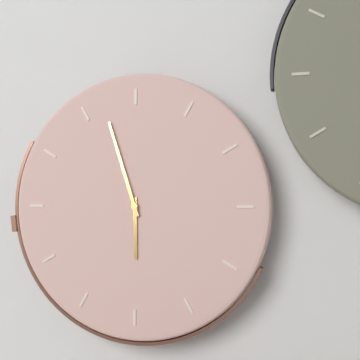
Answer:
h=5 m=57
